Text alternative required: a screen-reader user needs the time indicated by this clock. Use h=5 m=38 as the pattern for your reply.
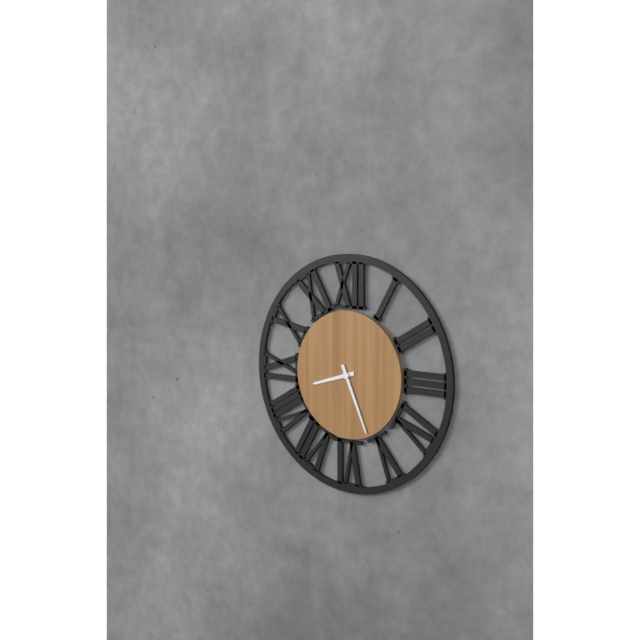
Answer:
h=8 m=26
